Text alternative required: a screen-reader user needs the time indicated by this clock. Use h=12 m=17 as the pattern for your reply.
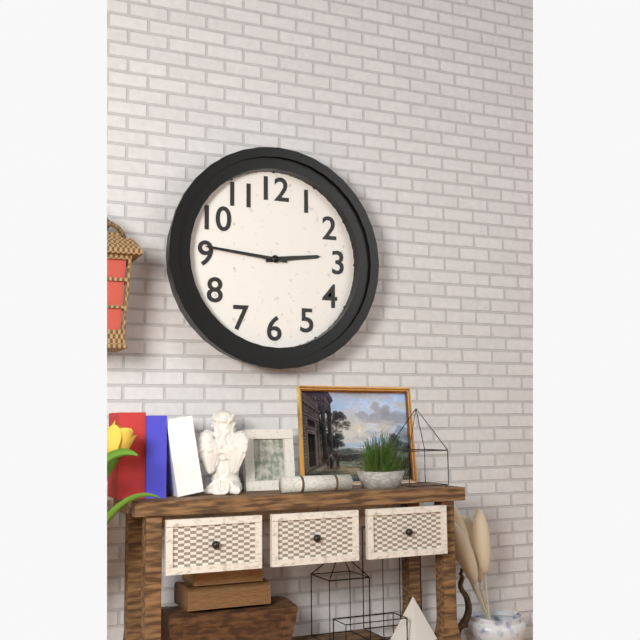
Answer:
h=2 m=46
